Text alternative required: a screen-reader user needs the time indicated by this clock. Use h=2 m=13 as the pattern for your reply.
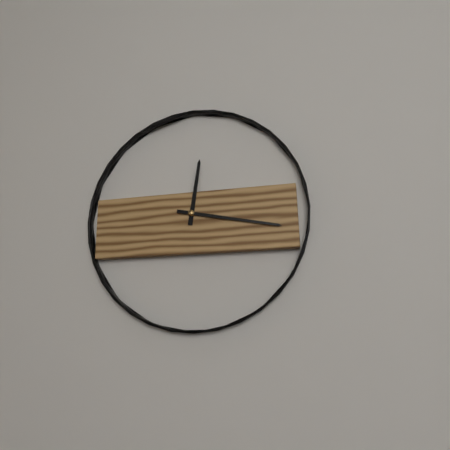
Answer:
h=12 m=17
